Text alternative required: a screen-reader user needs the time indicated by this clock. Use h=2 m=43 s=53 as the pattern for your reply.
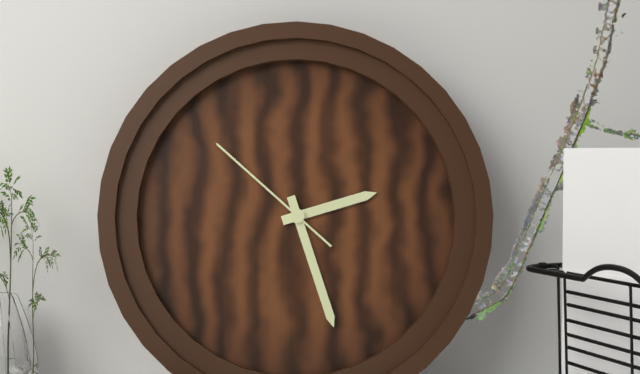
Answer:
h=2 m=27 s=52
